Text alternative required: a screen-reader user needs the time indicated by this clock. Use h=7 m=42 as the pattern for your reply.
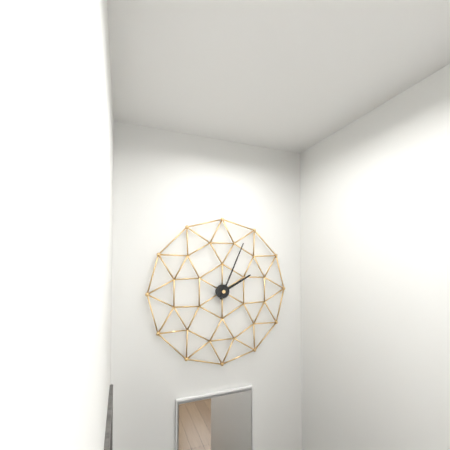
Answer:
h=2 m=4
